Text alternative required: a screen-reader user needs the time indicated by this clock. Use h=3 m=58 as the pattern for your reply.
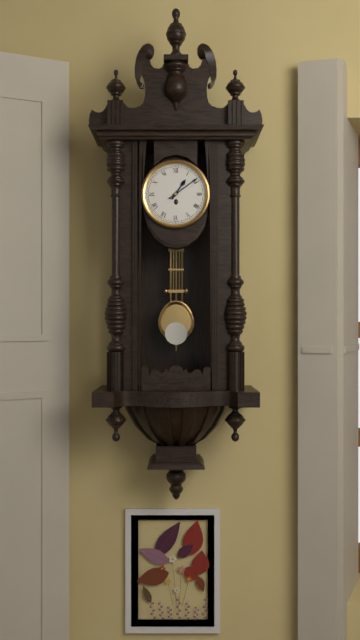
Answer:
h=1 m=9
